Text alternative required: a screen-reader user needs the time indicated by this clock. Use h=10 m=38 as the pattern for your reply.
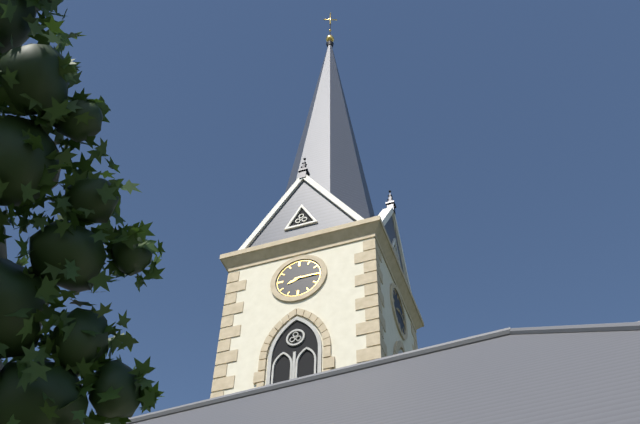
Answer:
h=8 m=15
